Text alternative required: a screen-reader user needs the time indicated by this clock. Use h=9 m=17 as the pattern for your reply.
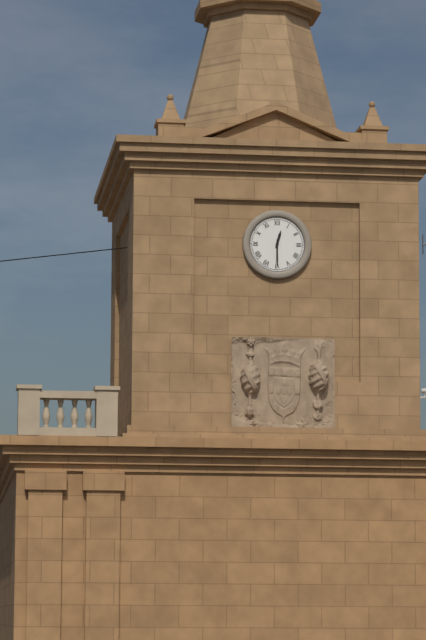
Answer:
h=12 m=30
